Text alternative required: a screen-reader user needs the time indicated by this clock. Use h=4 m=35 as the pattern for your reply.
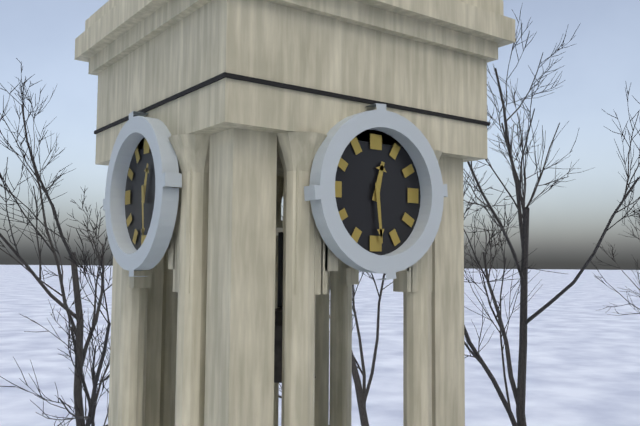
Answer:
h=12 m=29
